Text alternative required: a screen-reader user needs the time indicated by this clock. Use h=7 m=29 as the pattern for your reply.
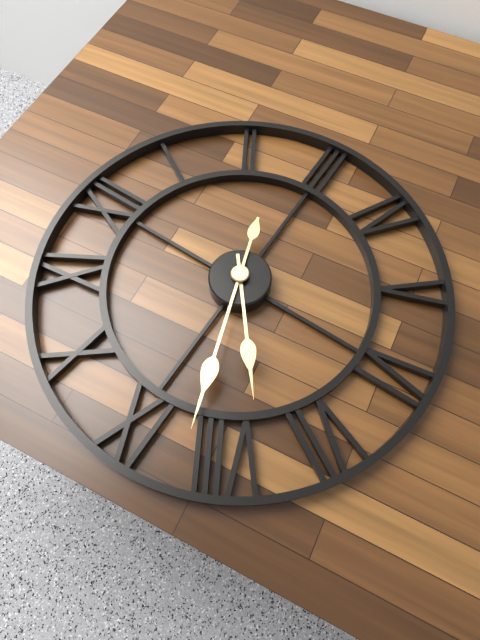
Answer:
h=7 m=42
